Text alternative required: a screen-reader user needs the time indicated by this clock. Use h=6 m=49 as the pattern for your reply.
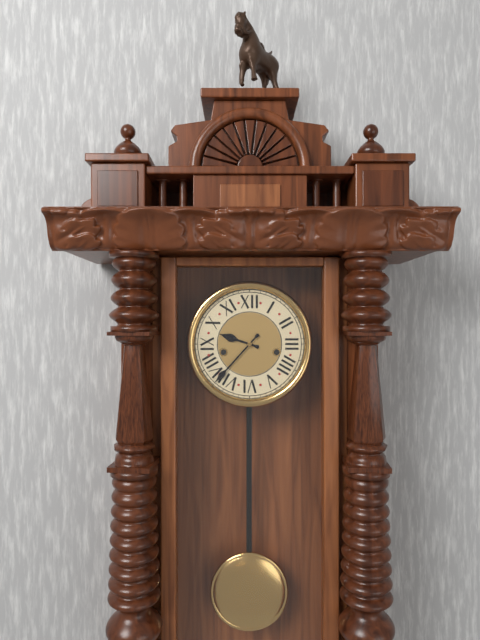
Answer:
h=9 m=37
